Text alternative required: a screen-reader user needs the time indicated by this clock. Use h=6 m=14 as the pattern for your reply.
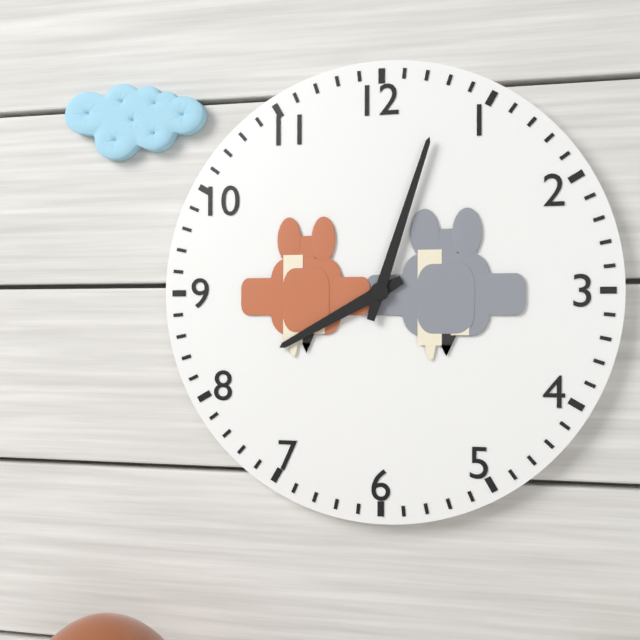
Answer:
h=8 m=3
